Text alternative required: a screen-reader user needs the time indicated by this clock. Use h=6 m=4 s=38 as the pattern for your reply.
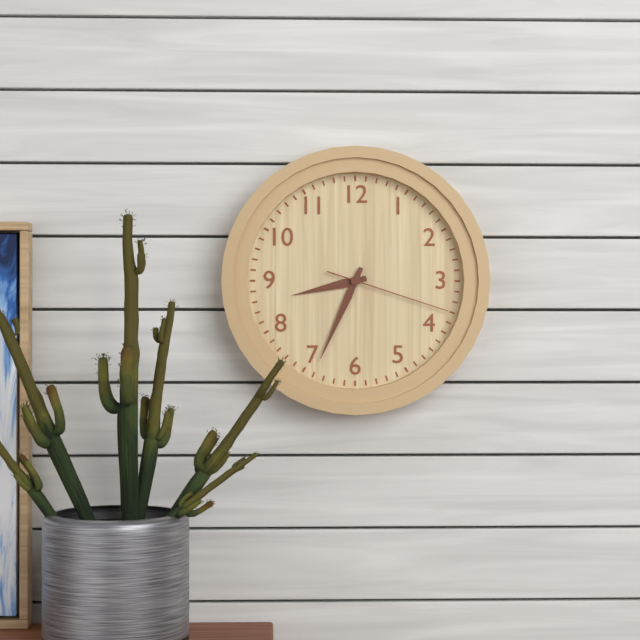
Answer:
h=8 m=34 s=18
